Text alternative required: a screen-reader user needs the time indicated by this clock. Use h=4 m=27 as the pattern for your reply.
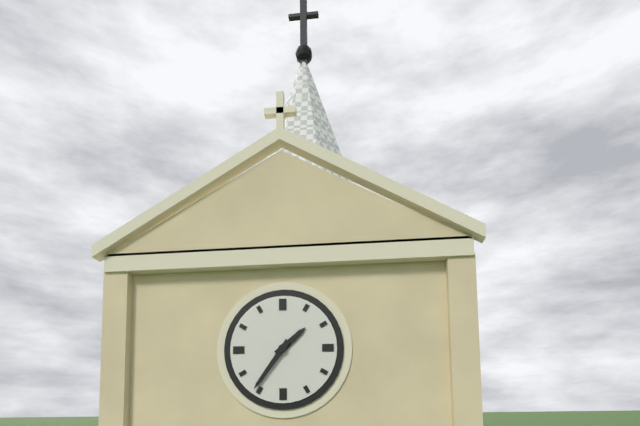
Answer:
h=1 m=36
